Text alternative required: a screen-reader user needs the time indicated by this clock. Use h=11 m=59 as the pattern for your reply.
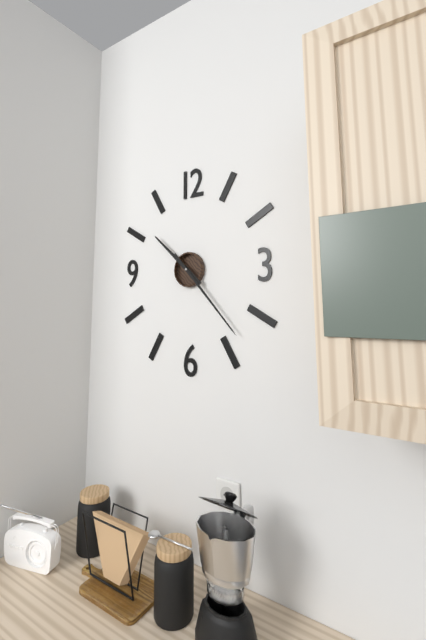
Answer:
h=10 m=23
